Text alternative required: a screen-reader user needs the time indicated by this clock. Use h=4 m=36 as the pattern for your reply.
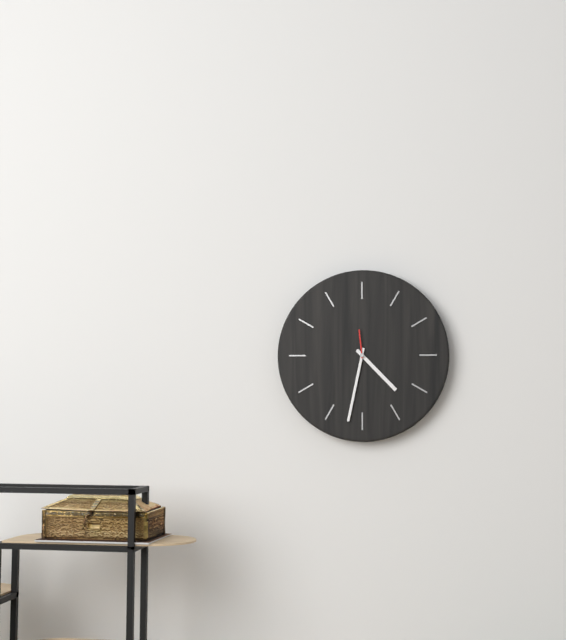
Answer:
h=4 m=32
